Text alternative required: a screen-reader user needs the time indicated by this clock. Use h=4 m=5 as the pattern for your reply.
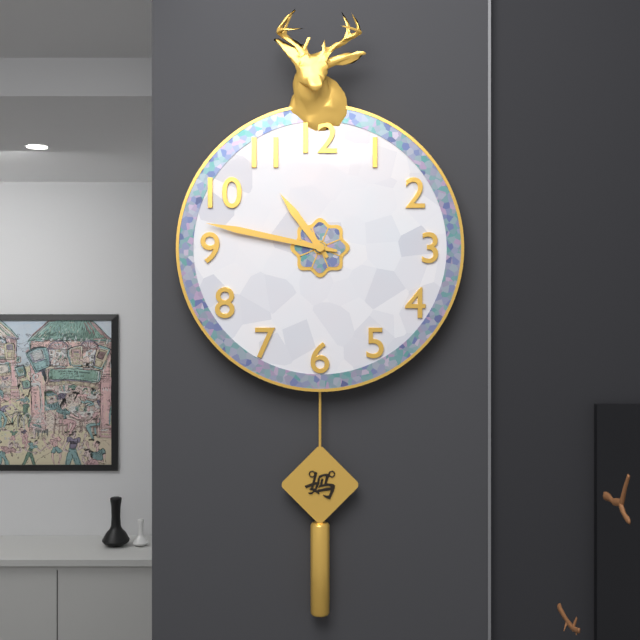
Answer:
h=10 m=47
